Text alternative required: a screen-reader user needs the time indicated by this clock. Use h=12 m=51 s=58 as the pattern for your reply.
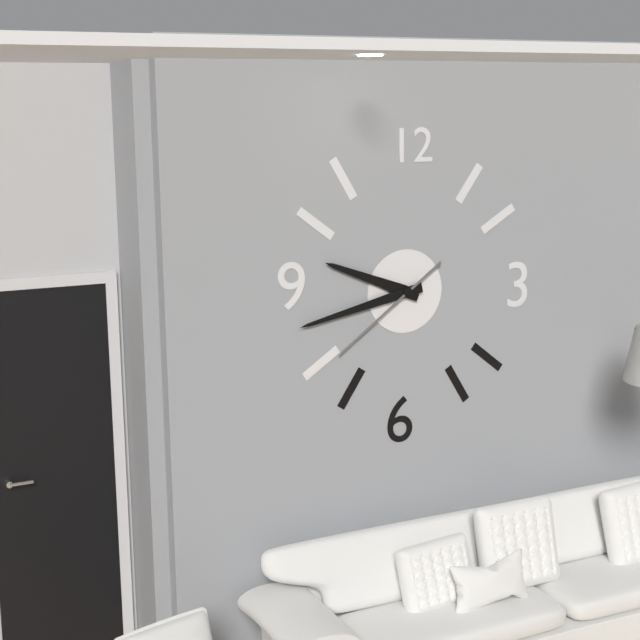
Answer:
h=9 m=43 s=39
